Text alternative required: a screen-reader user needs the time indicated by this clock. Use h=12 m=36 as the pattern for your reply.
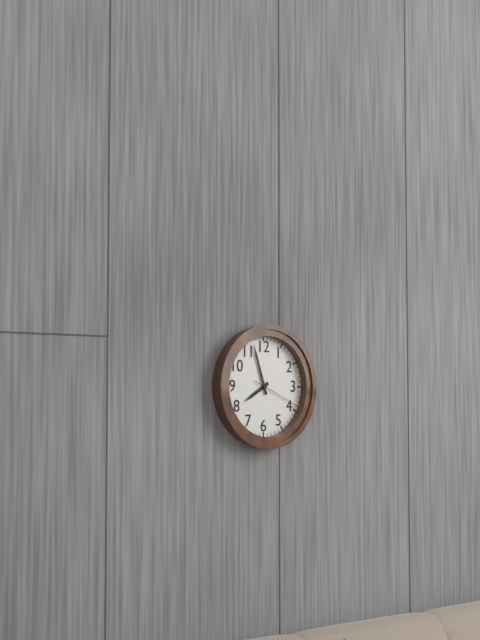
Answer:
h=7 m=57
